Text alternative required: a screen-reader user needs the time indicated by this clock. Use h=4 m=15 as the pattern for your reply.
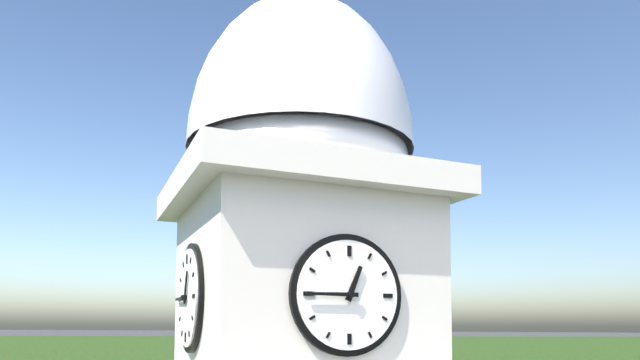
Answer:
h=12 m=45
